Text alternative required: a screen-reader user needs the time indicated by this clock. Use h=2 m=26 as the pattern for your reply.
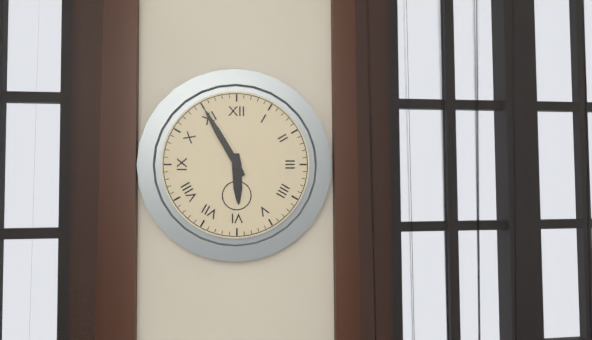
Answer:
h=5 m=55
